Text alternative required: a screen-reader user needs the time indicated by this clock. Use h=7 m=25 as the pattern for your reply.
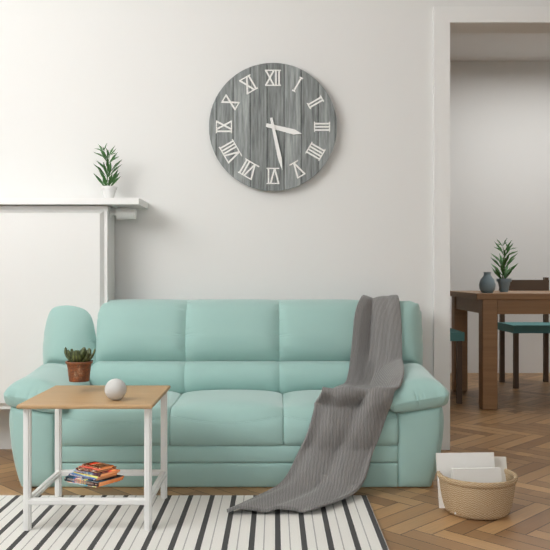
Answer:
h=3 m=28
